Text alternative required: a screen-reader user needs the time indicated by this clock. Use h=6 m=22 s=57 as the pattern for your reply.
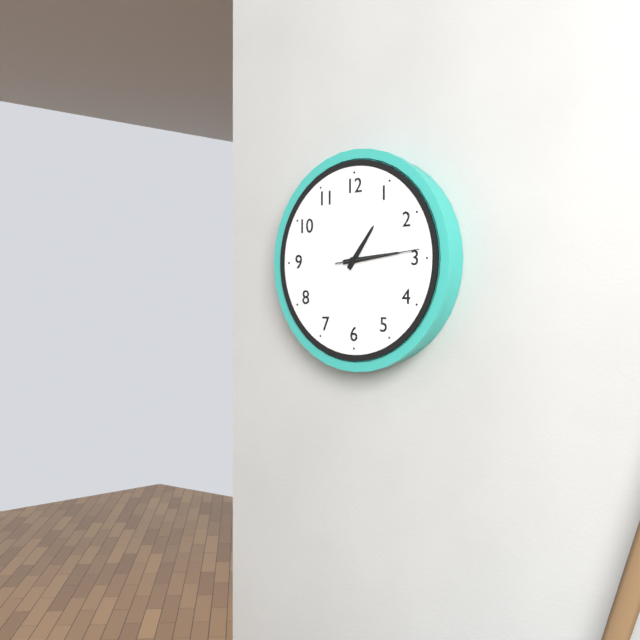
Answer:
h=1 m=14 s=14
